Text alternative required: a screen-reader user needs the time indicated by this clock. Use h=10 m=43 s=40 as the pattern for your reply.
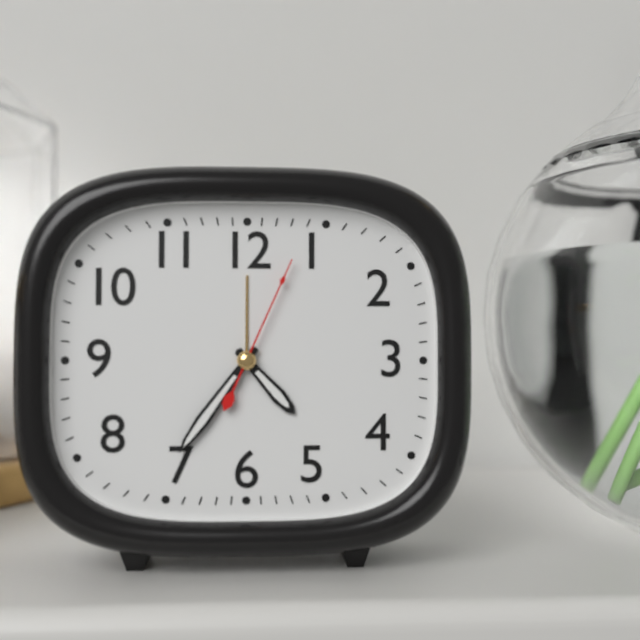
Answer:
h=4 m=36 s=4
